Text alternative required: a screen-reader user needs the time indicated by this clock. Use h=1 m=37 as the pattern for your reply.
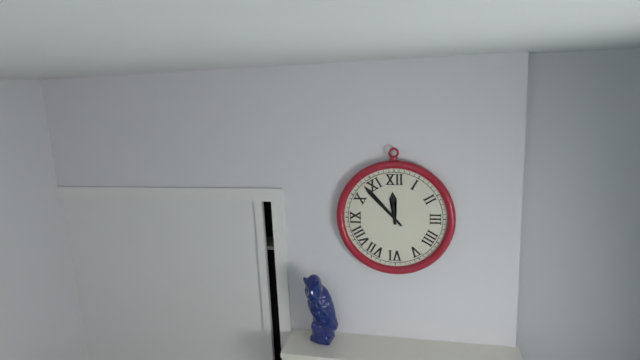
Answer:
h=11 m=53
